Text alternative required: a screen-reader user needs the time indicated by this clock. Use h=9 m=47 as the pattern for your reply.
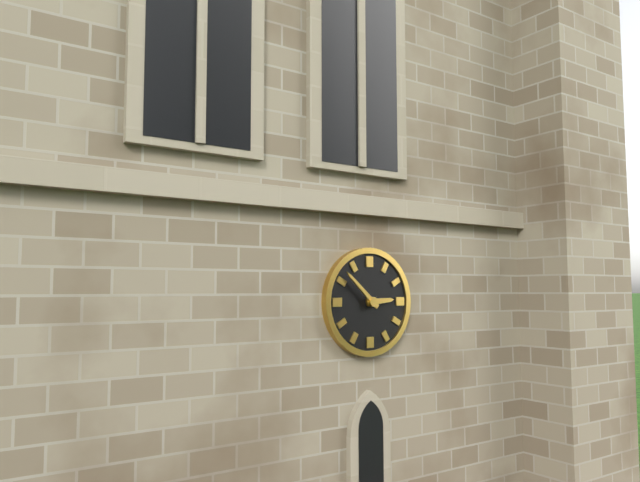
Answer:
h=2 m=52
